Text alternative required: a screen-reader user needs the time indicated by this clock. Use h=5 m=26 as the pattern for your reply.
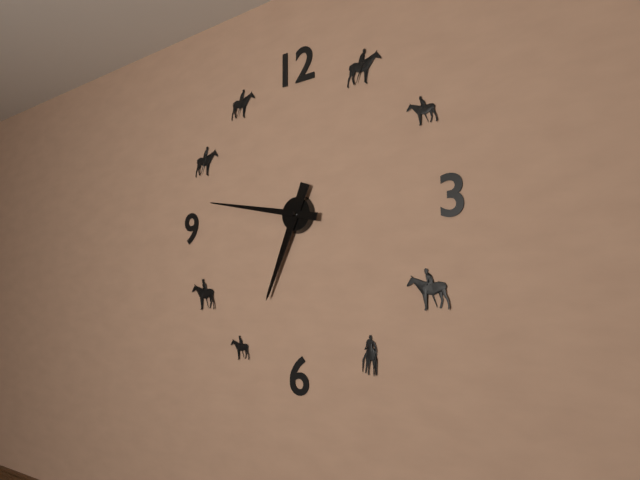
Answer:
h=6 m=47
